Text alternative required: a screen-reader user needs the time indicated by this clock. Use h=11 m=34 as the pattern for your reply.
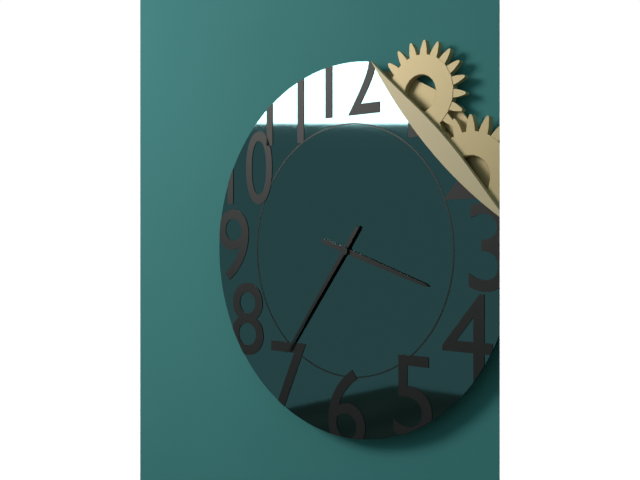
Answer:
h=3 m=36
